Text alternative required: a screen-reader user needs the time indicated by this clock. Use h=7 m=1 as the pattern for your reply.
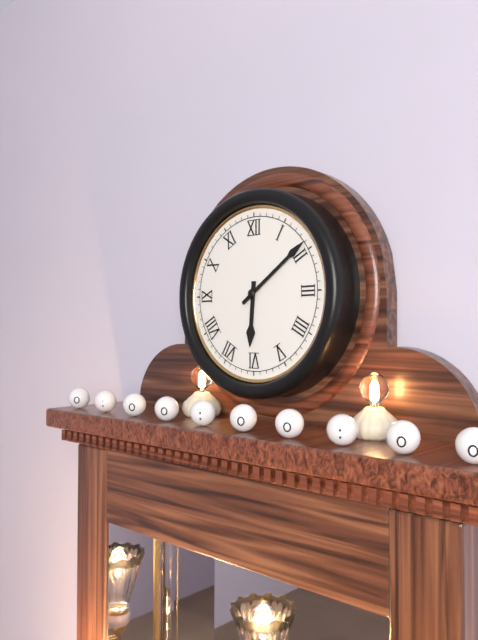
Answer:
h=6 m=9
